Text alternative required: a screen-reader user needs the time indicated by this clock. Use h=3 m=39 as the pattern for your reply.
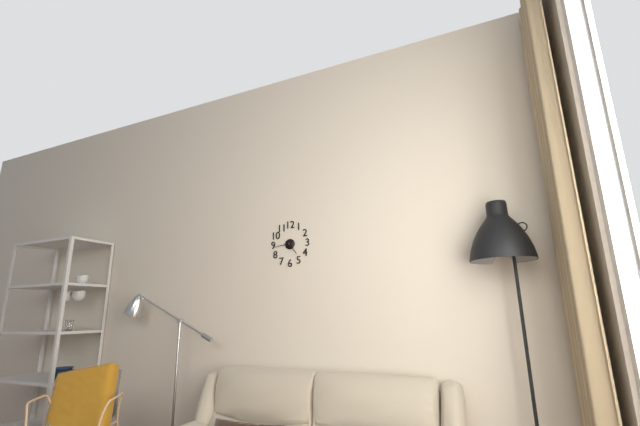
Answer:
h=4 m=44
